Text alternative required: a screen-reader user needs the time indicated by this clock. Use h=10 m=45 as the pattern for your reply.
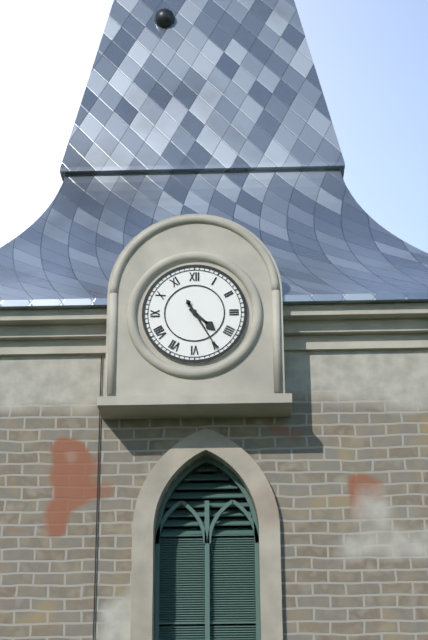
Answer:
h=4 m=25
